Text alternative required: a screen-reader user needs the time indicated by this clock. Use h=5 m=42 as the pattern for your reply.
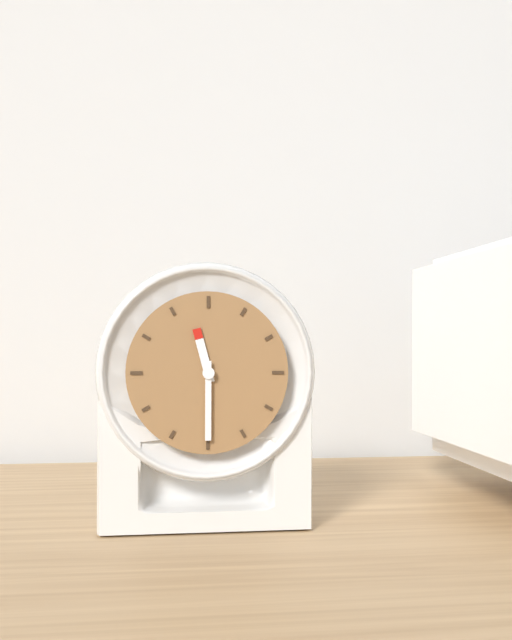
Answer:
h=11 m=30
